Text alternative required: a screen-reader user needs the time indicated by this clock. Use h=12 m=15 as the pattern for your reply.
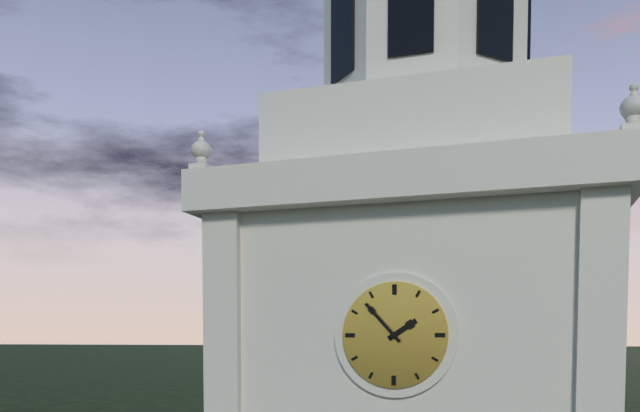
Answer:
h=1 m=53
